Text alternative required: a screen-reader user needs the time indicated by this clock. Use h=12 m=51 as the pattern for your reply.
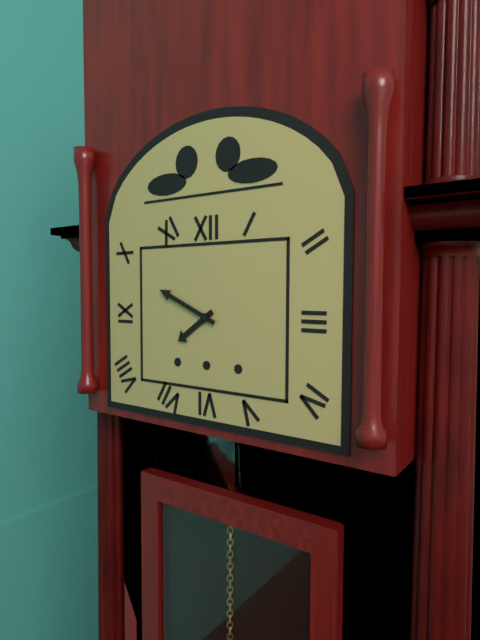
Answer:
h=7 m=49
